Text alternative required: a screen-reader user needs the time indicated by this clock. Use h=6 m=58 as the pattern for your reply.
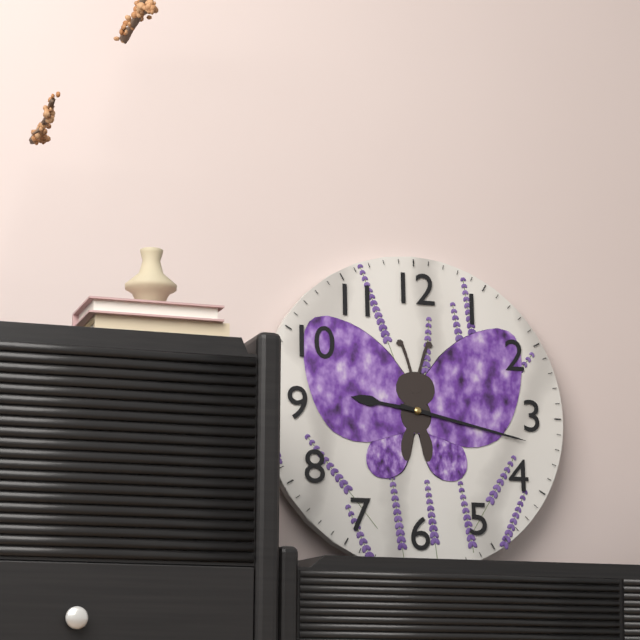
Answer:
h=9 m=17
